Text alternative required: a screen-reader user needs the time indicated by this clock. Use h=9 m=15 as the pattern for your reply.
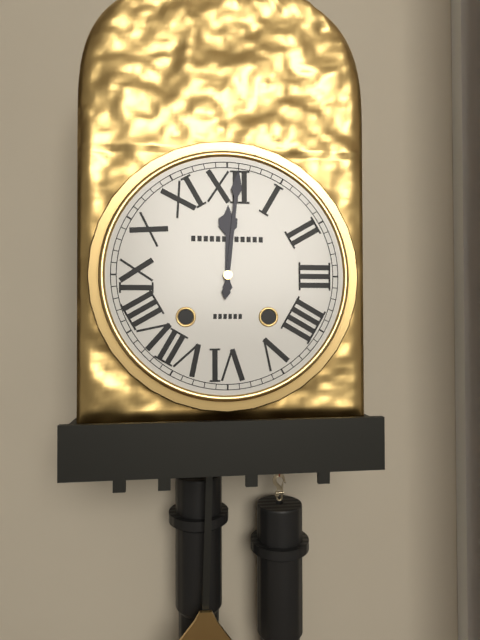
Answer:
h=12 m=1
